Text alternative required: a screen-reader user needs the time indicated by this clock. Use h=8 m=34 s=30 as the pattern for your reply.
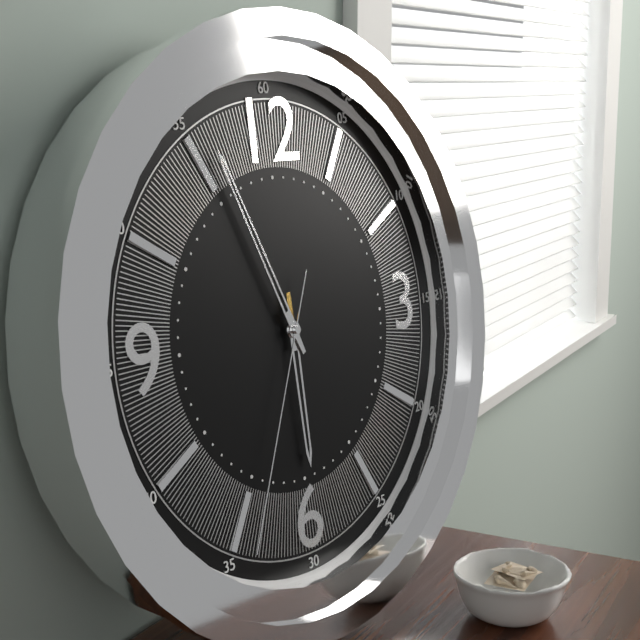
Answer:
h=5 m=56 s=34
